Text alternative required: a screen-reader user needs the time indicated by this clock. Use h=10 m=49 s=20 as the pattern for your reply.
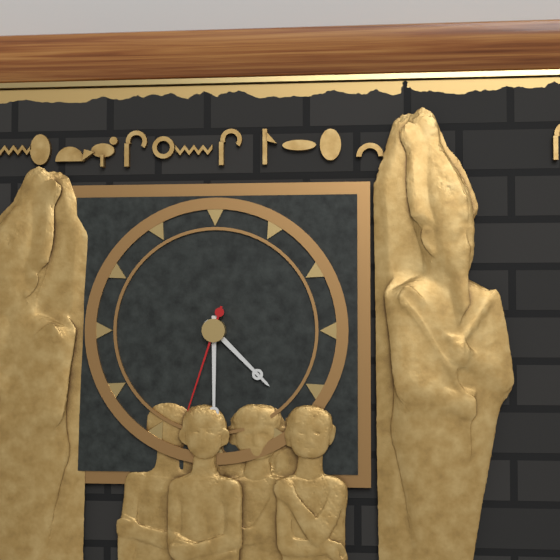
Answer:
h=4 m=30 s=33
